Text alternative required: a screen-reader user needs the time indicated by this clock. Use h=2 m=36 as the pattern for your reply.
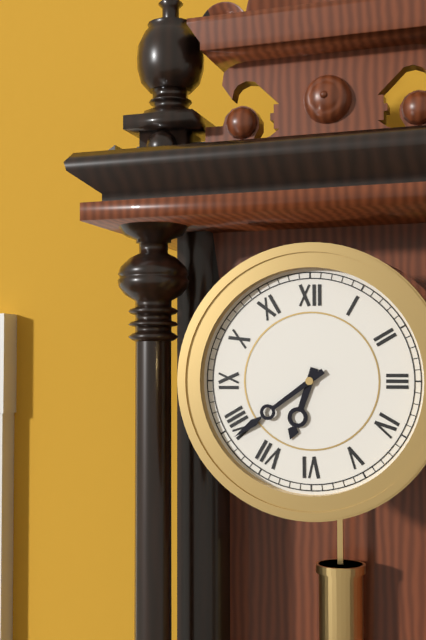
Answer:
h=6 m=39
